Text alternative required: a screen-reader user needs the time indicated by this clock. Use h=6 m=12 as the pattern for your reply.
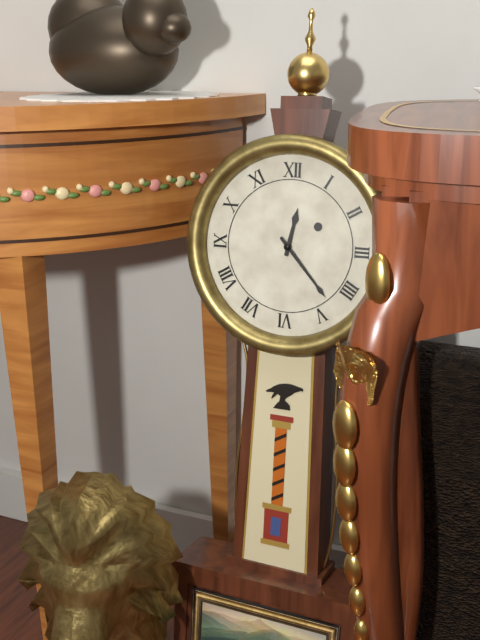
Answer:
h=12 m=23
